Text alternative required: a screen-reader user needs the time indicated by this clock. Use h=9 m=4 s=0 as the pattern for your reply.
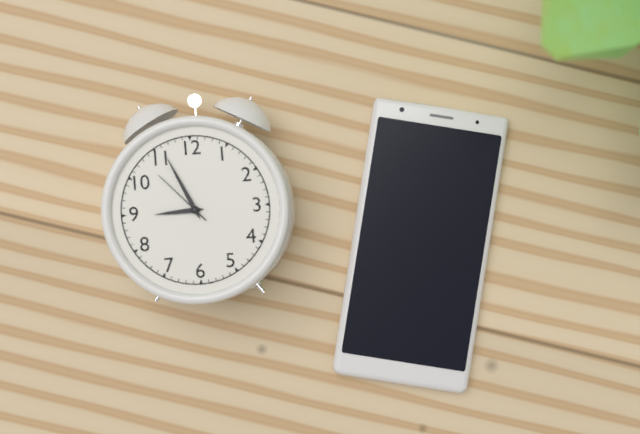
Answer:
h=8 m=56 s=53
